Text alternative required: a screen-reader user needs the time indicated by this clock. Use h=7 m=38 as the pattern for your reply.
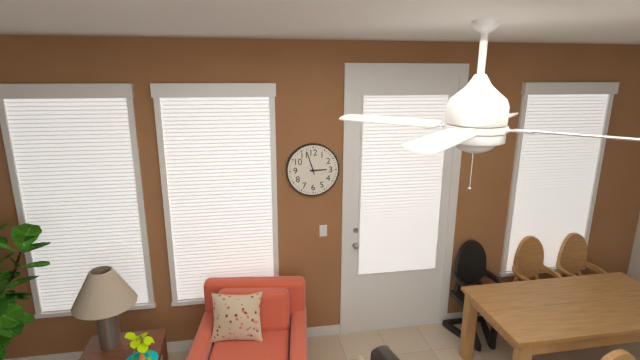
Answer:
h=2 m=57
